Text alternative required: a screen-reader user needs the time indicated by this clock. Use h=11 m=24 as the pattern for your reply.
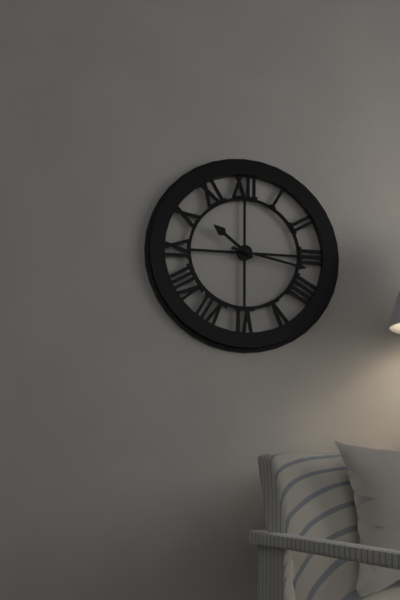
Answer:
h=10 m=17
